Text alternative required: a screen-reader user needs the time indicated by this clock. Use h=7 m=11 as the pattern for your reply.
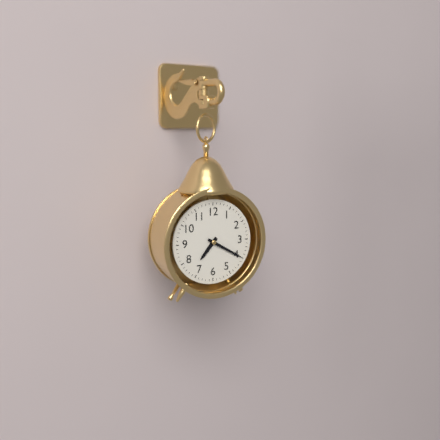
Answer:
h=7 m=20
